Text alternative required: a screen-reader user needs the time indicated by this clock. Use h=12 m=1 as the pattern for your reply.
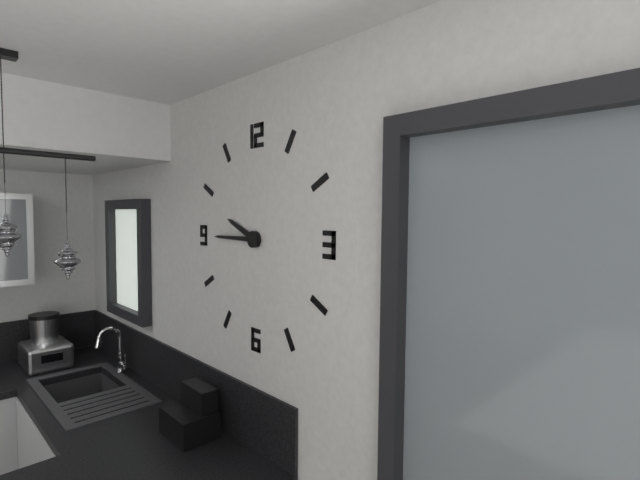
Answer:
h=9 m=45
